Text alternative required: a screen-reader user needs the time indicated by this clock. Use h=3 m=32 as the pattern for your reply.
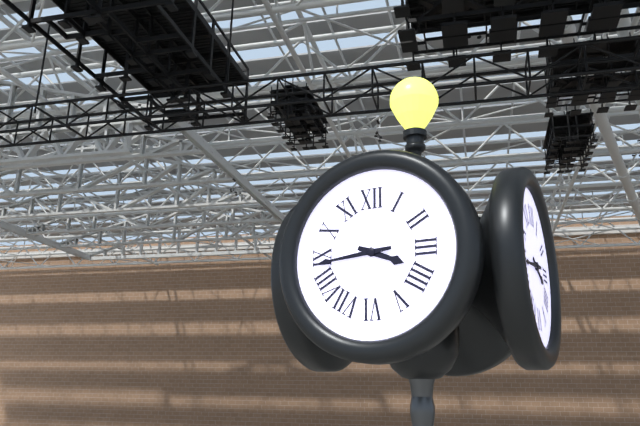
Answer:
h=3 m=44
